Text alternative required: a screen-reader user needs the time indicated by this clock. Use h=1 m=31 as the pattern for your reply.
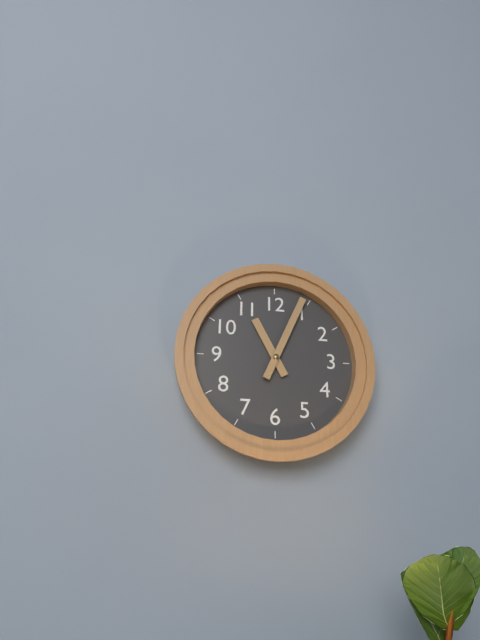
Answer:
h=11 m=4
